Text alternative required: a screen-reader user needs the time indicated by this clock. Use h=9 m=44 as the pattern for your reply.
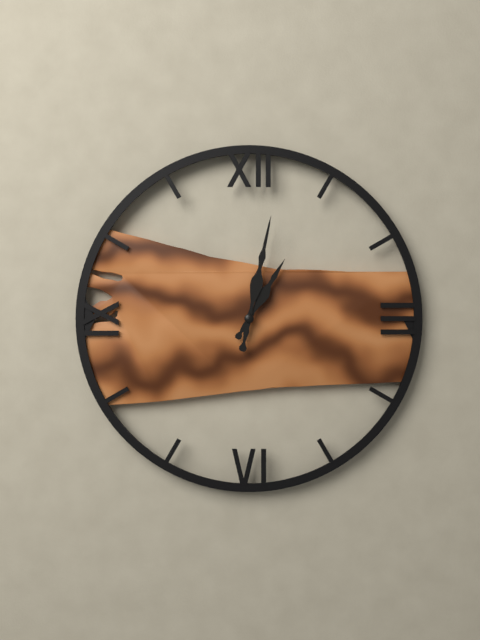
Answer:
h=1 m=2
